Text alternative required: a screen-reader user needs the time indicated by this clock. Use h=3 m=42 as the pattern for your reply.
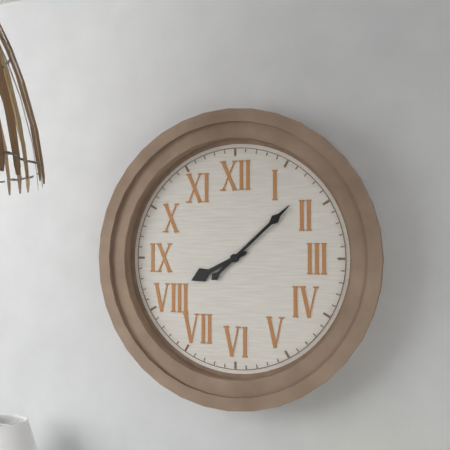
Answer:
h=8 m=8
